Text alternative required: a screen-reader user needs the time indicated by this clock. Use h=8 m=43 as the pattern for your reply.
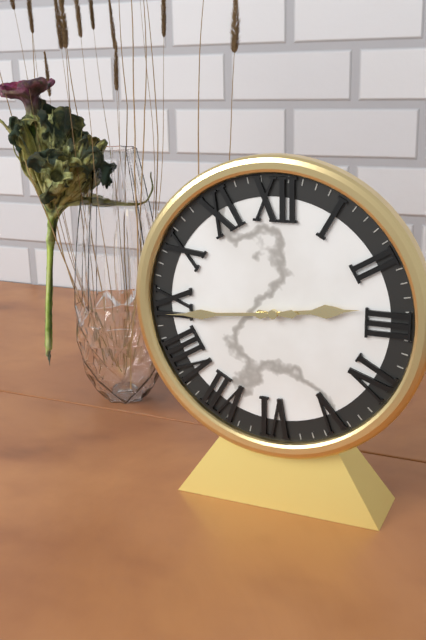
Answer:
h=2 m=44
